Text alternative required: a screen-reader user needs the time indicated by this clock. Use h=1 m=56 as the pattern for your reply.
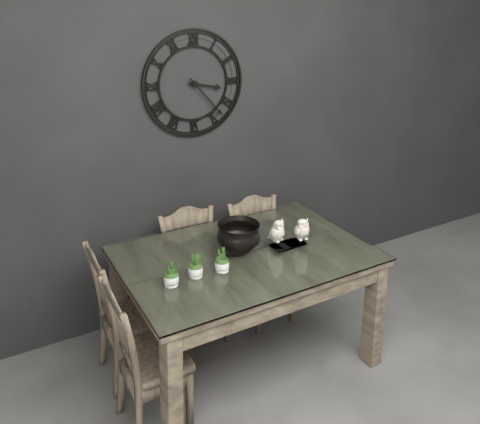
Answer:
h=3 m=23
